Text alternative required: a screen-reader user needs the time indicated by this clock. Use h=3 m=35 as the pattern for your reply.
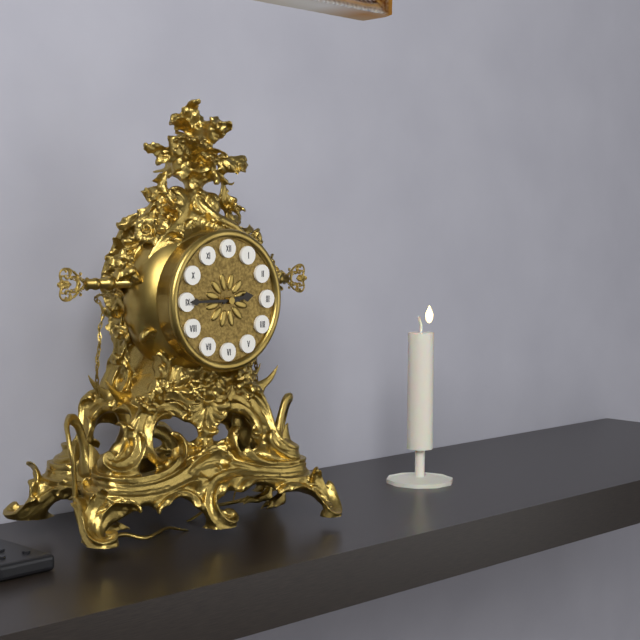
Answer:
h=2 m=45
